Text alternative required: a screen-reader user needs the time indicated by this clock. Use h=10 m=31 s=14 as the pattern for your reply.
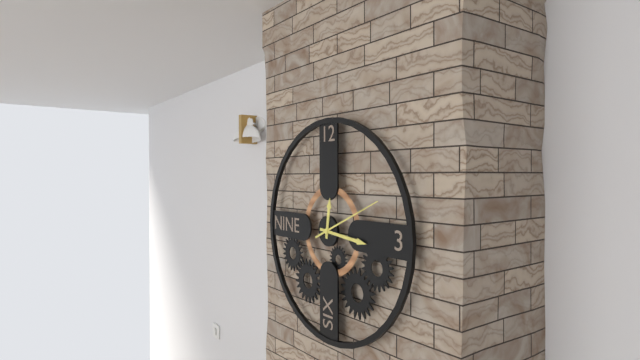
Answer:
h=12 m=16 s=11
